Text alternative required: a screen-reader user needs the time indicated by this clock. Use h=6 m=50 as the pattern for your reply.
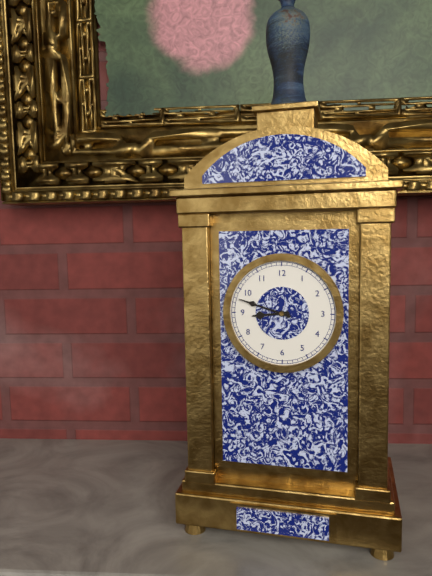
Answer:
h=8 m=48
